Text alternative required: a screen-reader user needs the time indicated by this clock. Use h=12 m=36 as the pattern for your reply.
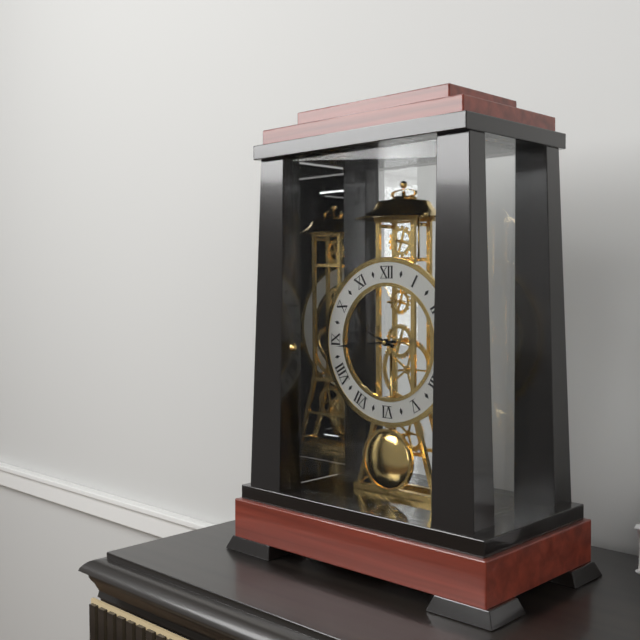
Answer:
h=9 m=44
